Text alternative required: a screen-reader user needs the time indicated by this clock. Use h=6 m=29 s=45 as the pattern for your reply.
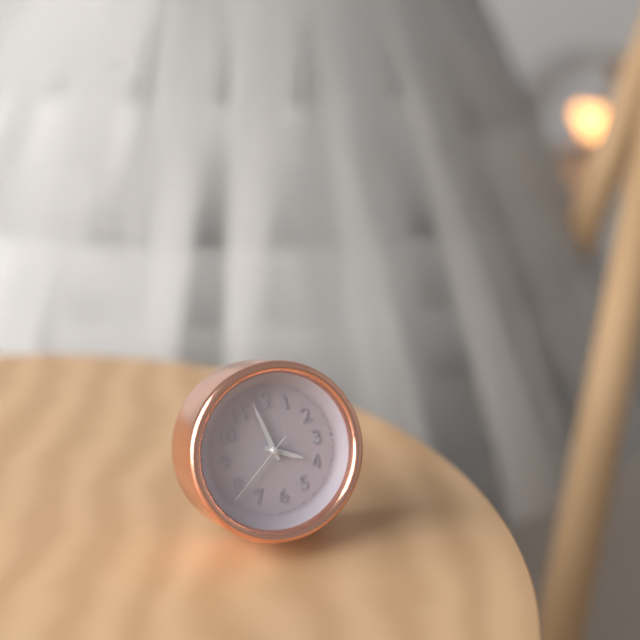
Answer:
h=3 m=58 s=39
